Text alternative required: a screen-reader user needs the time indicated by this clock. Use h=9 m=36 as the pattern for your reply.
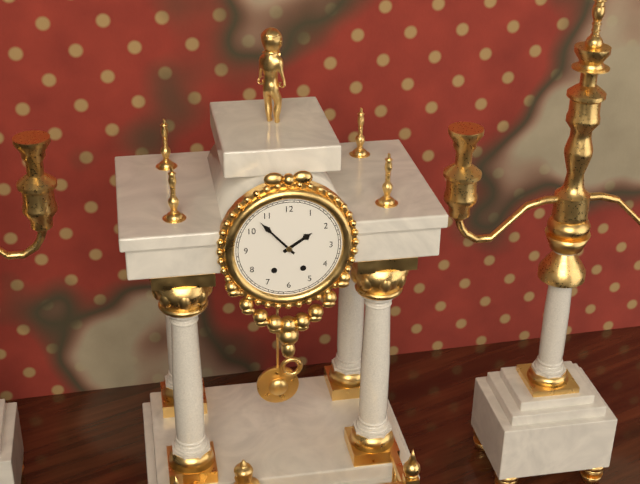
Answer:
h=1 m=53
